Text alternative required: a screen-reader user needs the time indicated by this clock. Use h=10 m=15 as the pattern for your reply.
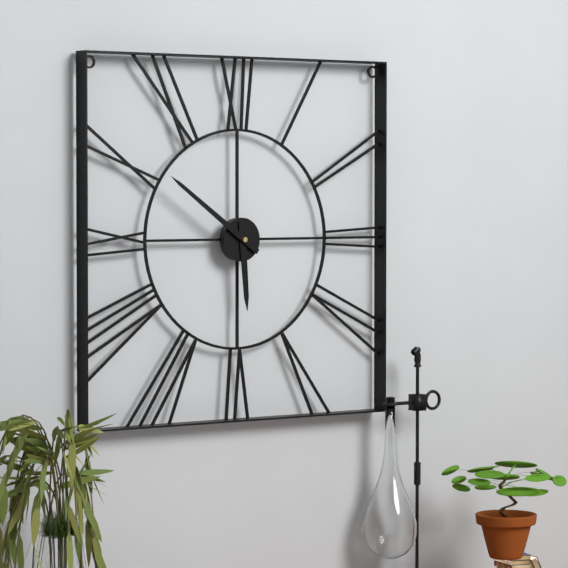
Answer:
h=5 m=51
